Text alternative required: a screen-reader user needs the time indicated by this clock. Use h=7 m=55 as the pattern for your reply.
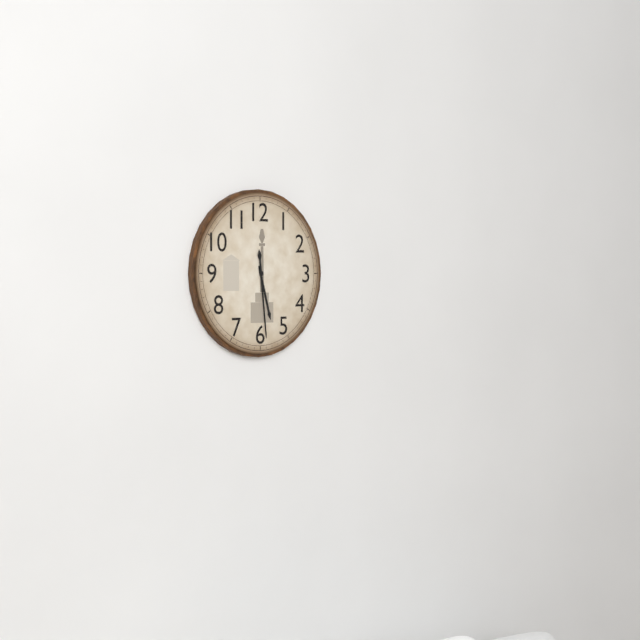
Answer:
h=5 m=29
